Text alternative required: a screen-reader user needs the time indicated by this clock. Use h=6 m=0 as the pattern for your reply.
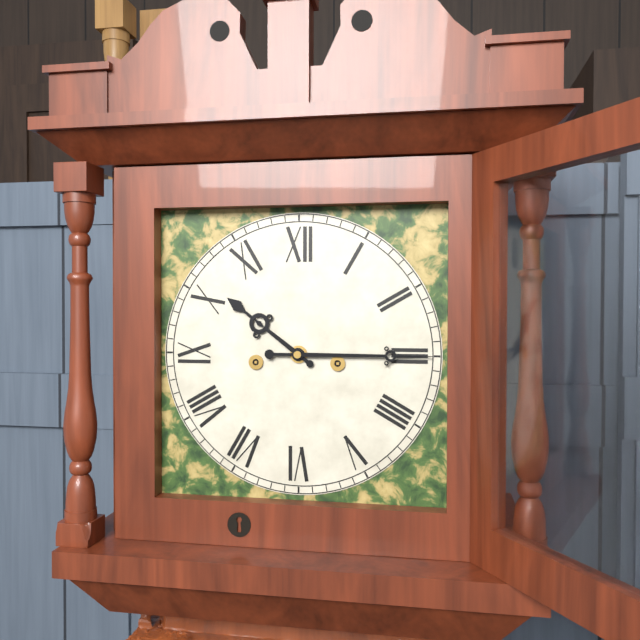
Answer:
h=10 m=15
